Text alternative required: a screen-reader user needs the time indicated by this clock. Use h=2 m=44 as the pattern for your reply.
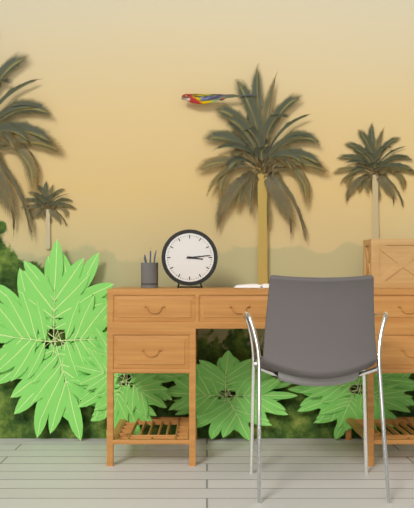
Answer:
h=3 m=14
